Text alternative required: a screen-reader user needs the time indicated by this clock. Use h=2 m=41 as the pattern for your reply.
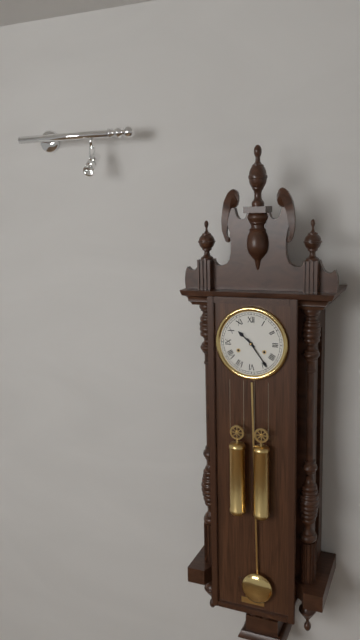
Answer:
h=10 m=24
